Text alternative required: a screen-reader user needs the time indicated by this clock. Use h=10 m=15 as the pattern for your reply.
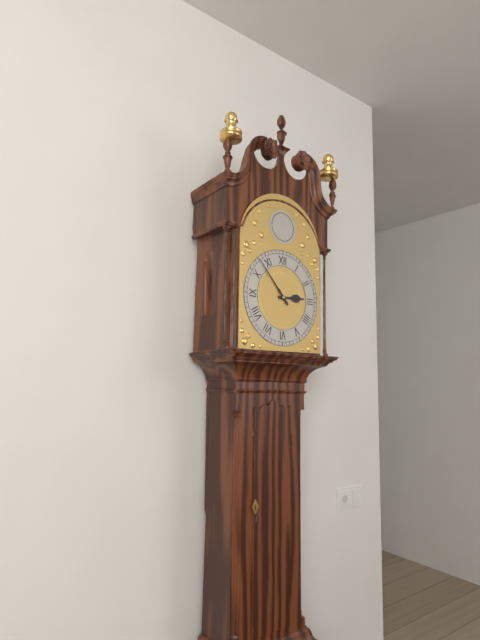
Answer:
h=2 m=53
